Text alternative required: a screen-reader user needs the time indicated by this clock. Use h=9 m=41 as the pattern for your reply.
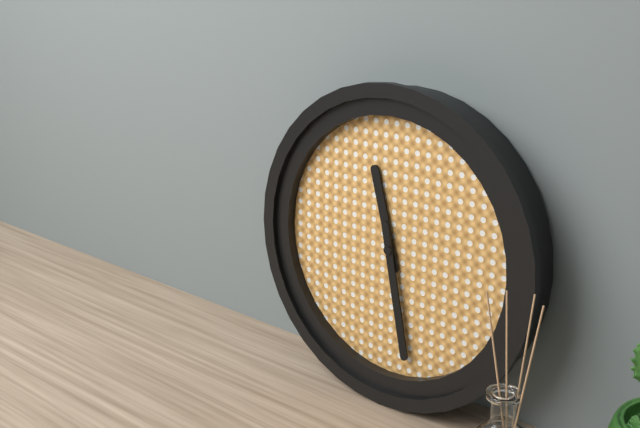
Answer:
h=11 m=28
